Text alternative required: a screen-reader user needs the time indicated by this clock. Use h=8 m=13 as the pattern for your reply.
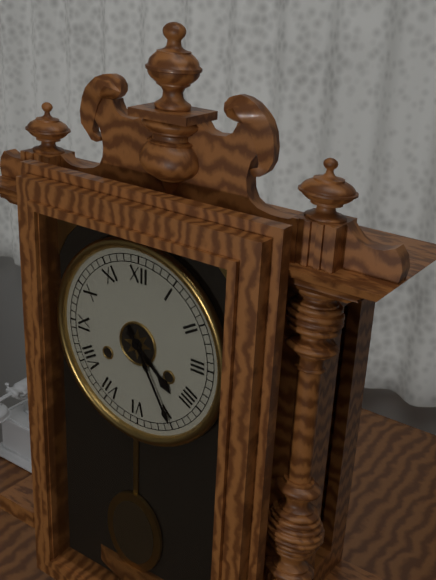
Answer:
h=4 m=25
